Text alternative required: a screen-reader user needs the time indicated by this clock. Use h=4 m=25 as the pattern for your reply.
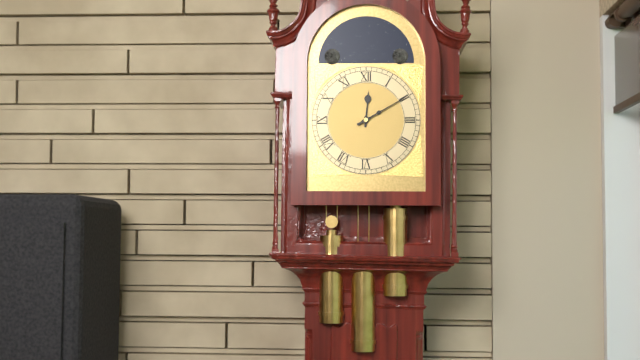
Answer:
h=12 m=10
